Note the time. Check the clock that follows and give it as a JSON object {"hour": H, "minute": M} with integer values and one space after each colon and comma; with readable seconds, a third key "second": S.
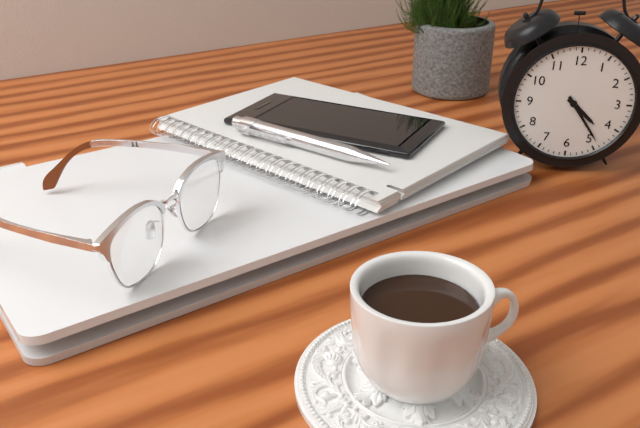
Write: {"hour": 4, "minute": 24}
